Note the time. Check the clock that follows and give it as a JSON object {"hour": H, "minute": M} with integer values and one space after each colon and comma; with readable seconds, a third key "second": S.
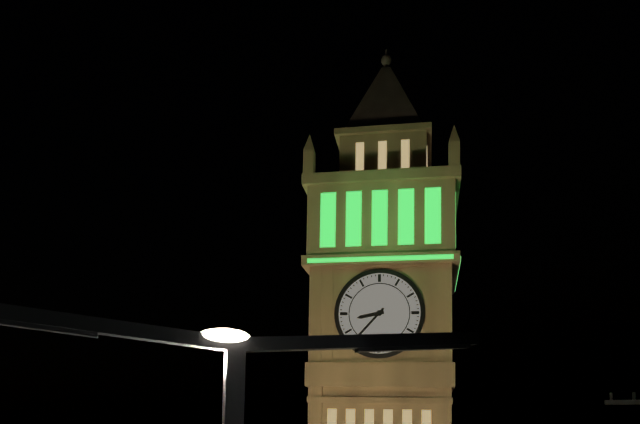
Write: {"hour": 8, "minute": 37}
